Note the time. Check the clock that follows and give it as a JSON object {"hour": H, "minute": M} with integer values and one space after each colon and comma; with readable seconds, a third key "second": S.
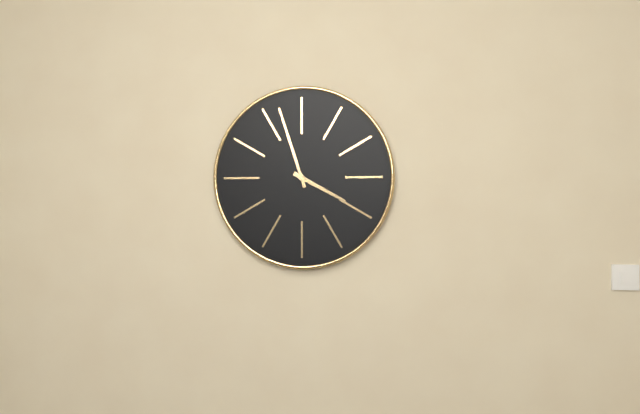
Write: {"hour": 3, "minute": 57}
